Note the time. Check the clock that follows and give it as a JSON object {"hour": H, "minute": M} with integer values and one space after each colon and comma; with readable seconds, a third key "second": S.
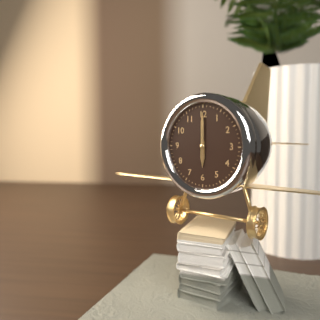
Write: {"hour": 6, "minute": 0}
